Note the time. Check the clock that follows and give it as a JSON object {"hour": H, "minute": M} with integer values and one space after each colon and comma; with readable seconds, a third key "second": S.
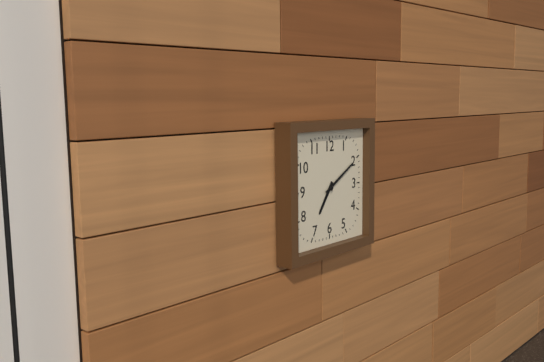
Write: {"hour": 7, "minute": 10}
